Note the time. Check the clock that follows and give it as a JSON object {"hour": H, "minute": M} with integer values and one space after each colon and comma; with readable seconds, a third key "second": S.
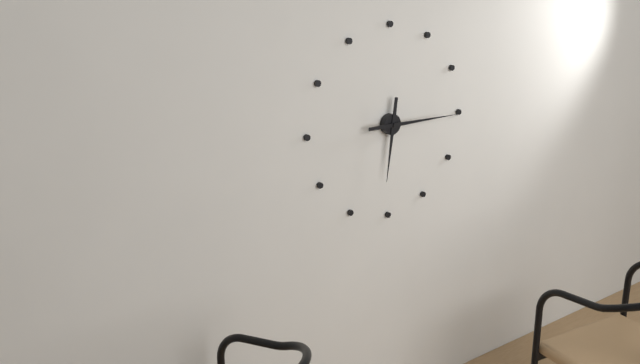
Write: {"hour": 6, "minute": 15}
